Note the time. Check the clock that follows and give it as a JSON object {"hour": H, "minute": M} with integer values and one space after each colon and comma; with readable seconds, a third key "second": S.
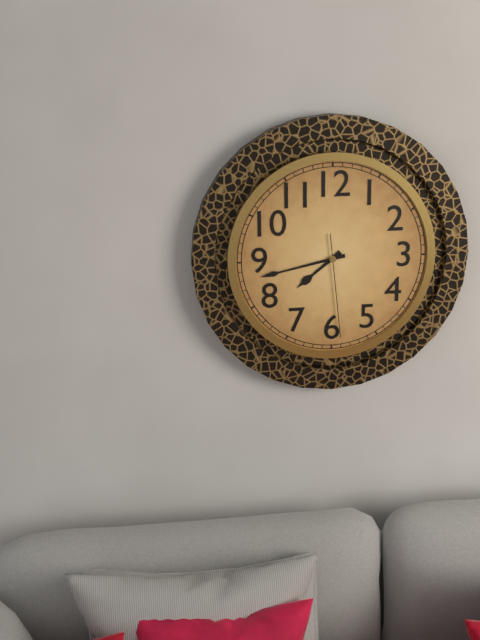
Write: {"hour": 7, "minute": 43, "second": 29}
